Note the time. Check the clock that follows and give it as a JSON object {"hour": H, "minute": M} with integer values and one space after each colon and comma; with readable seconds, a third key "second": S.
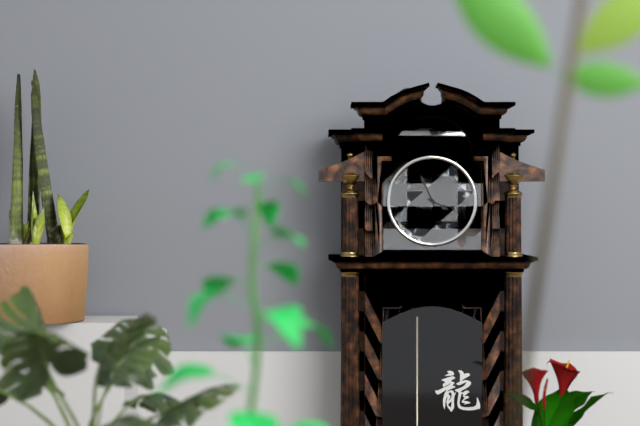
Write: {"hour": 3, "minute": 56}
